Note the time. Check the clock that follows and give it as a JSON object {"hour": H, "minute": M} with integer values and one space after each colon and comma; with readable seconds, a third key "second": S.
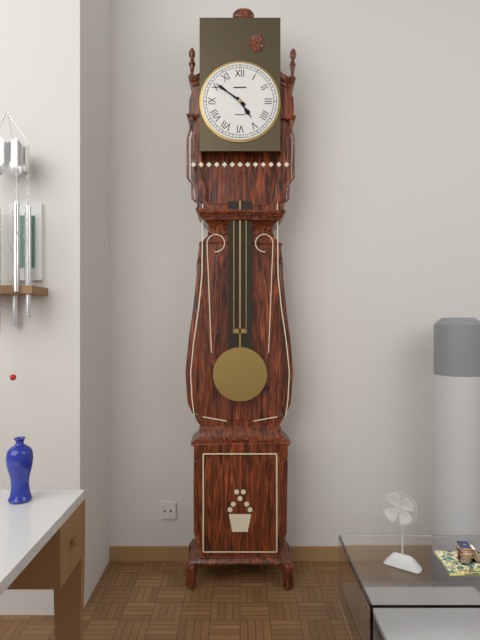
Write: {"hour": 4, "minute": 51}
